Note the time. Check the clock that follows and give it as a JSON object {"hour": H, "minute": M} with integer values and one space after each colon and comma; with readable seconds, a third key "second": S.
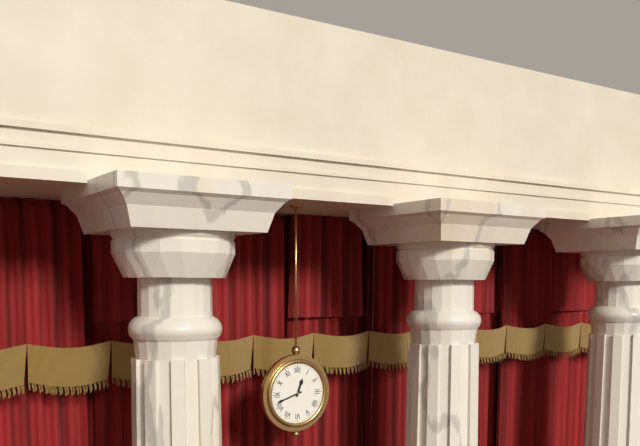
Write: {"hour": 12, "minute": 42}
